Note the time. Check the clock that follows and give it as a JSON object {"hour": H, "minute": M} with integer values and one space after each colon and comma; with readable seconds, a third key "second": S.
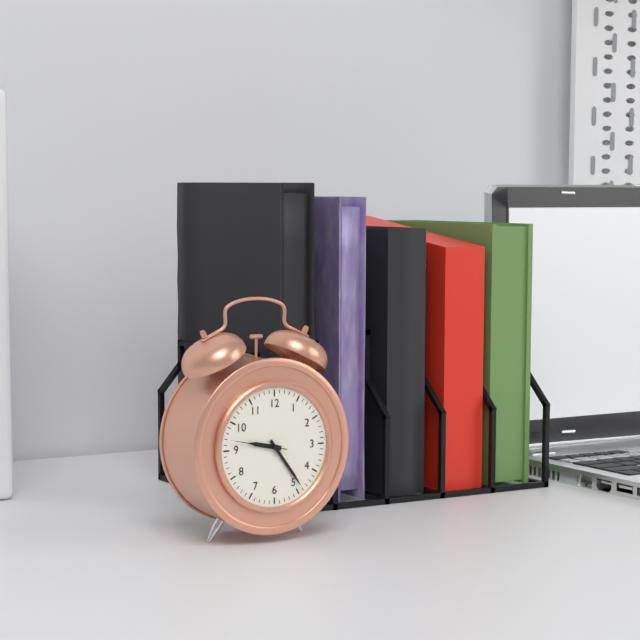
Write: {"hour": 9, "minute": 24, "second": 47}
